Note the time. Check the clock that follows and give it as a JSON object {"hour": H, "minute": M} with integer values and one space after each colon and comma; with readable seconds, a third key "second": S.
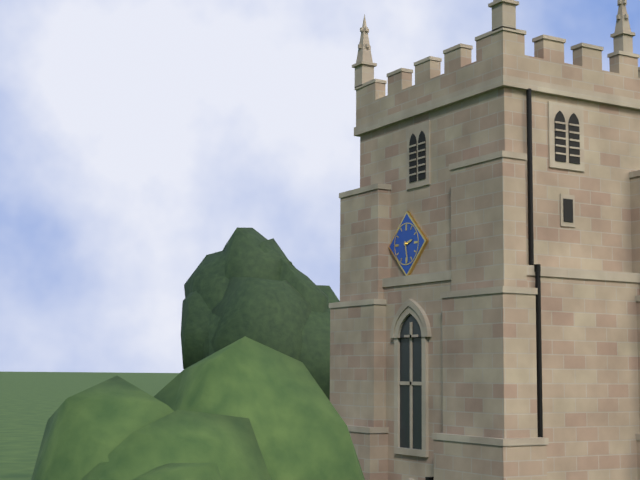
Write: {"hour": 2, "minute": 28}
